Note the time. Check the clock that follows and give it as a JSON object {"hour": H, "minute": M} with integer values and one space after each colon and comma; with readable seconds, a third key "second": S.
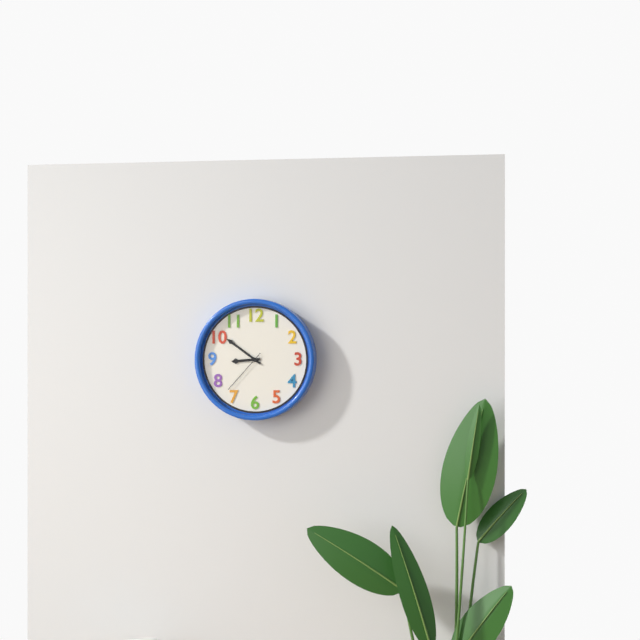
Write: {"hour": 8, "minute": 51, "second": 37}
